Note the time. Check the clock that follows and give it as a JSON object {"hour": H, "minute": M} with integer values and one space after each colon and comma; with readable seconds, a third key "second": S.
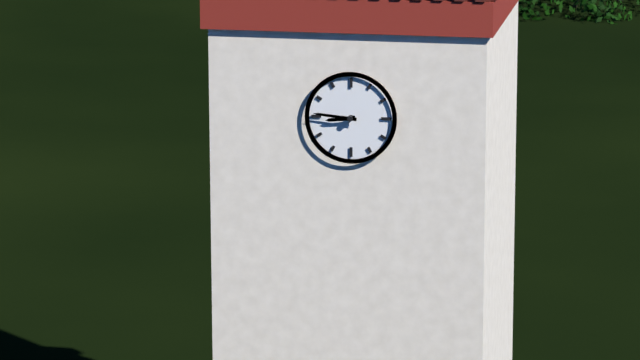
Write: {"hour": 8, "minute": 46}
